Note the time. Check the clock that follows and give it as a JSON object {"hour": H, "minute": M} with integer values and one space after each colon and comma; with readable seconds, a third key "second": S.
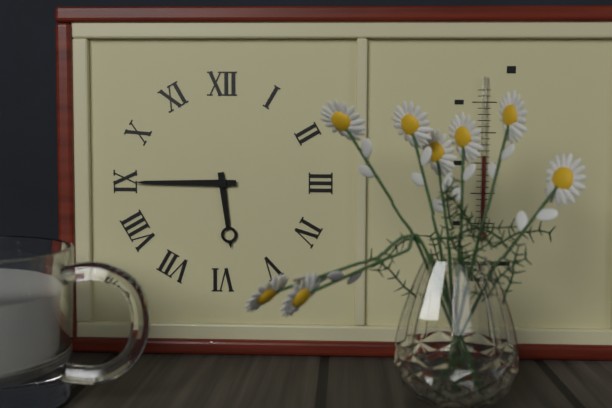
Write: {"hour": 5, "minute": 45}
